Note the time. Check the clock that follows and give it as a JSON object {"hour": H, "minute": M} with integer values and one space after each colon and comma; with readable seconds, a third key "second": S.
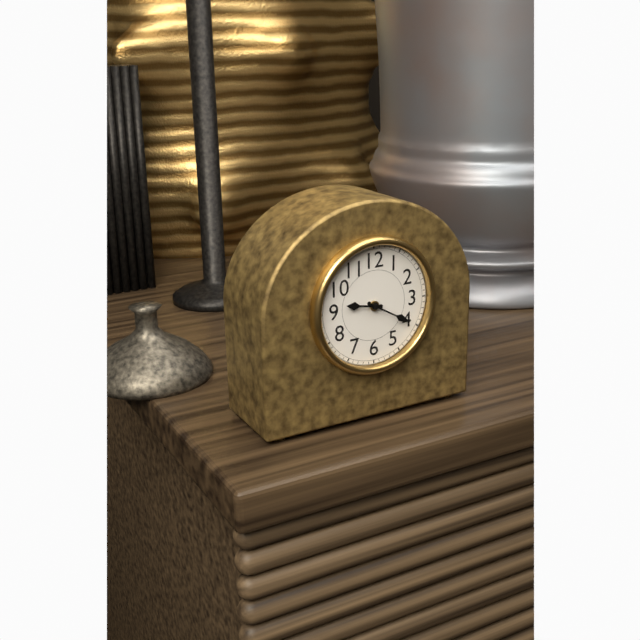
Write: {"hour": 9, "minute": 20}
